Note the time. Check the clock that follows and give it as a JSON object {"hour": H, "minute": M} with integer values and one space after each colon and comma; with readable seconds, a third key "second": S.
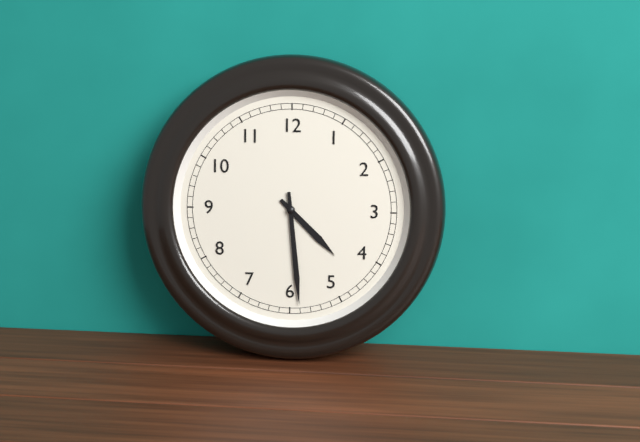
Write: {"hour": 4, "minute": 29}
